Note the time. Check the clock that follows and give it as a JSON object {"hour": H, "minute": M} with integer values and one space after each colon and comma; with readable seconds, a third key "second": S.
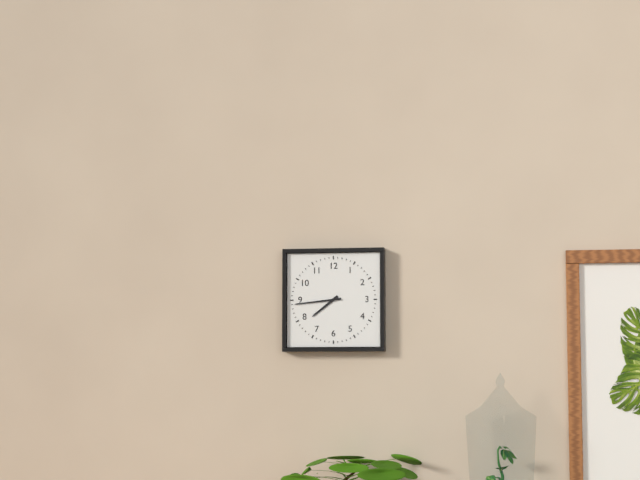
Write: {"hour": 7, "minute": 44}
